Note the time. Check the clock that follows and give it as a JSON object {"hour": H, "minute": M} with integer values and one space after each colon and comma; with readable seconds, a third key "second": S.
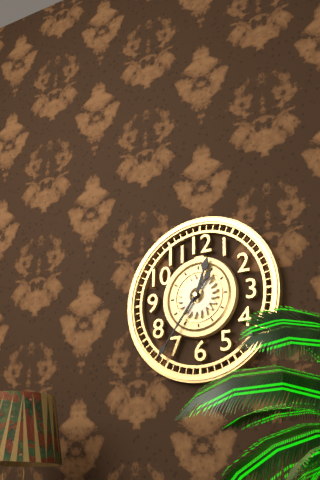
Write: {"hour": 12, "minute": 36}
